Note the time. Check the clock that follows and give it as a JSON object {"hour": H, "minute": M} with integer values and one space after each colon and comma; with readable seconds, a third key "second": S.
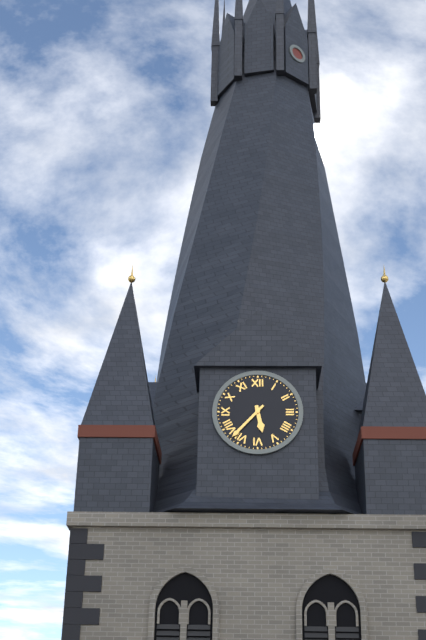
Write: {"hour": 5, "minute": 37}
